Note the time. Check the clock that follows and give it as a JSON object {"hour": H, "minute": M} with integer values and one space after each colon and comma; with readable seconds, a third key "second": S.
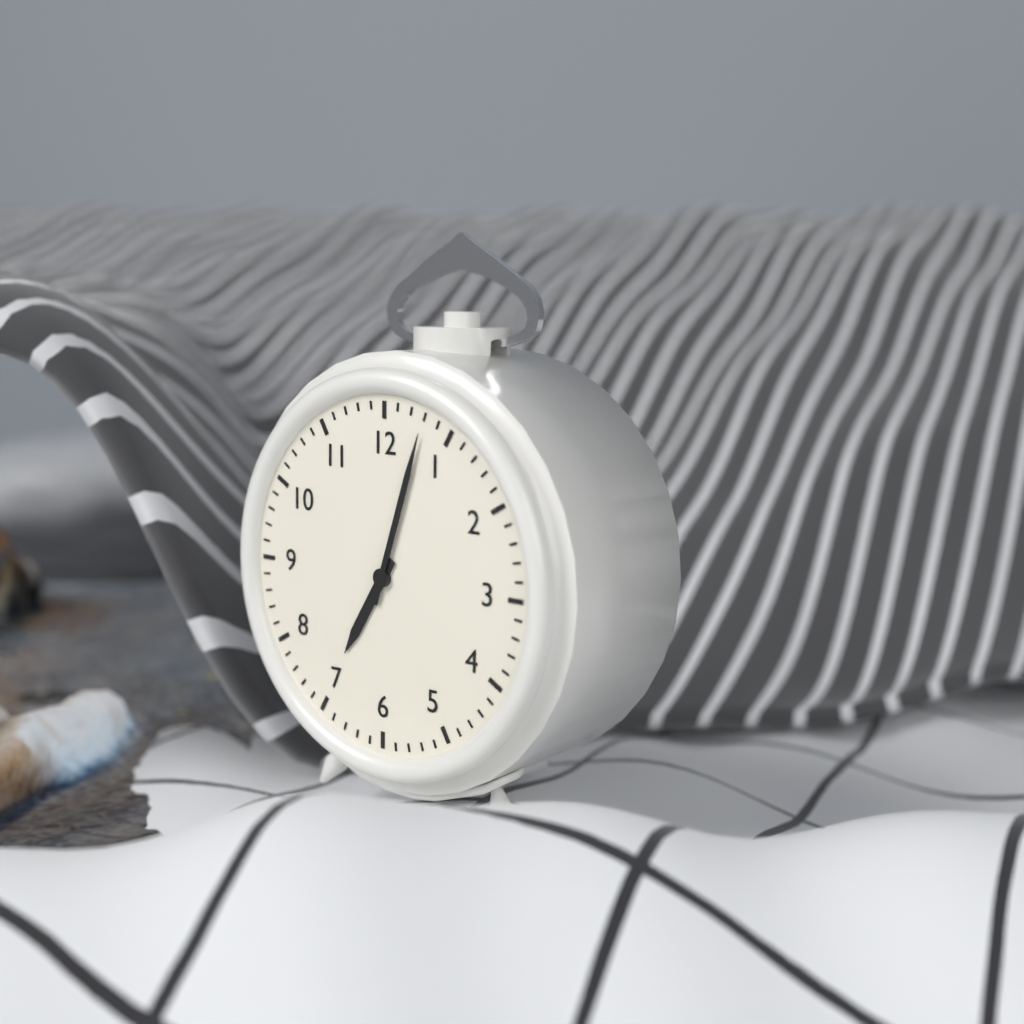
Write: {"hour": 7, "minute": 3}
